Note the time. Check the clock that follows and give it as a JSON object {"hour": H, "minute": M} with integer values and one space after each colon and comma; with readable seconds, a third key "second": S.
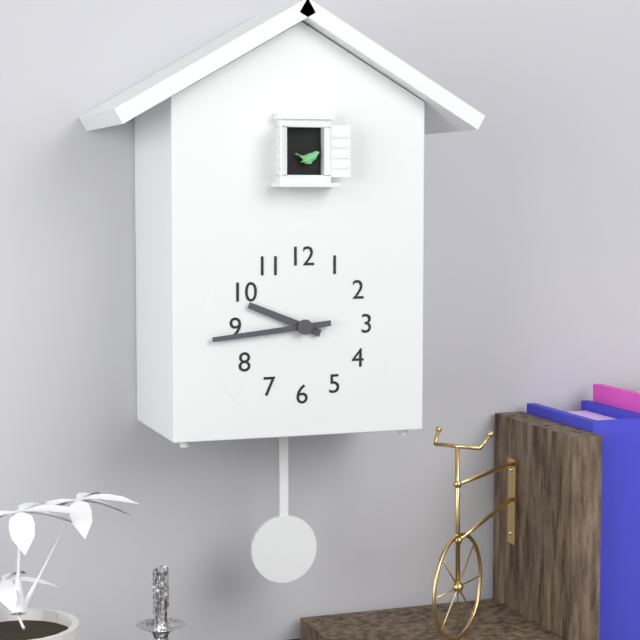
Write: {"hour": 9, "minute": 44}
